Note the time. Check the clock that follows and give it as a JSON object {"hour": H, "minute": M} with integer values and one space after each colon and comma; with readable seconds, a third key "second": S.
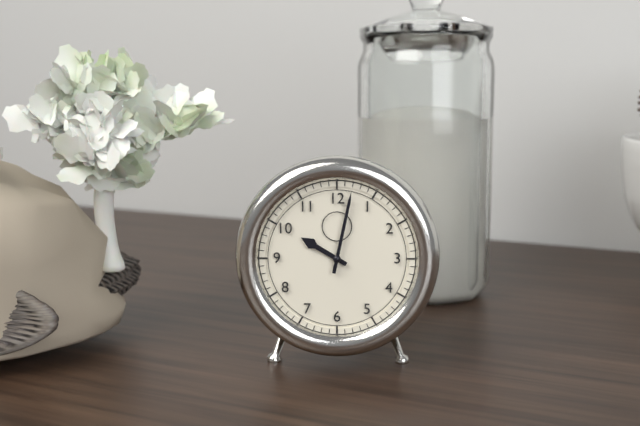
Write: {"hour": 10, "minute": 2}
